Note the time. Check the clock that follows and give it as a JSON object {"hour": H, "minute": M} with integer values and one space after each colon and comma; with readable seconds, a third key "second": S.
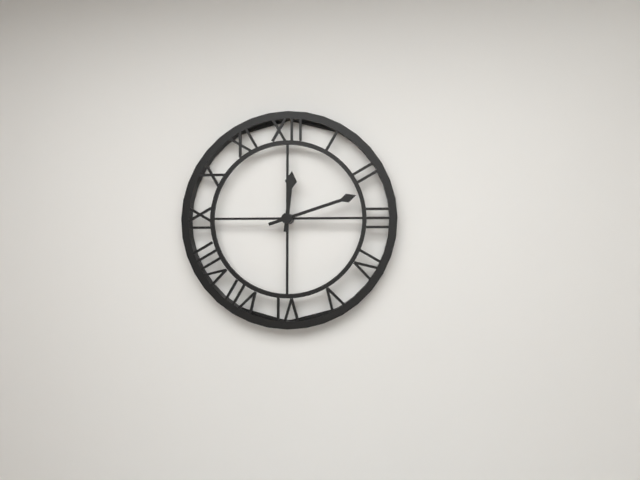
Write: {"hour": 12, "minute": 12}
